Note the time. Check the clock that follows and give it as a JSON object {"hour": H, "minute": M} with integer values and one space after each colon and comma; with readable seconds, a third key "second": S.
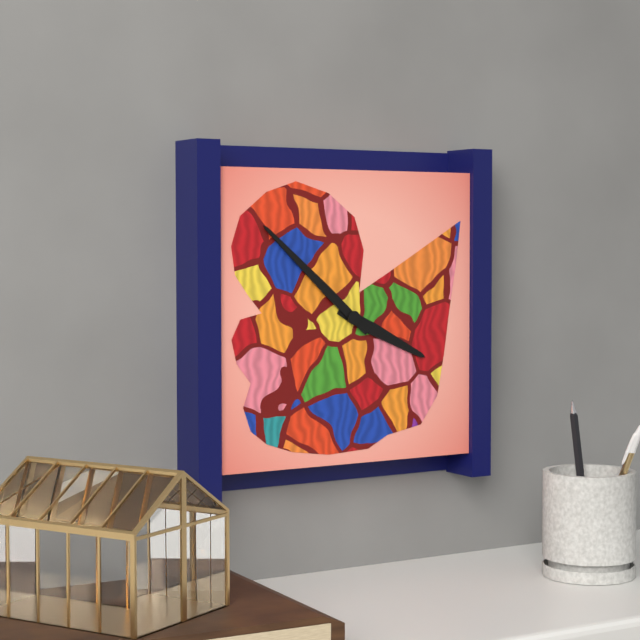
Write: {"hour": 3, "minute": 52}
